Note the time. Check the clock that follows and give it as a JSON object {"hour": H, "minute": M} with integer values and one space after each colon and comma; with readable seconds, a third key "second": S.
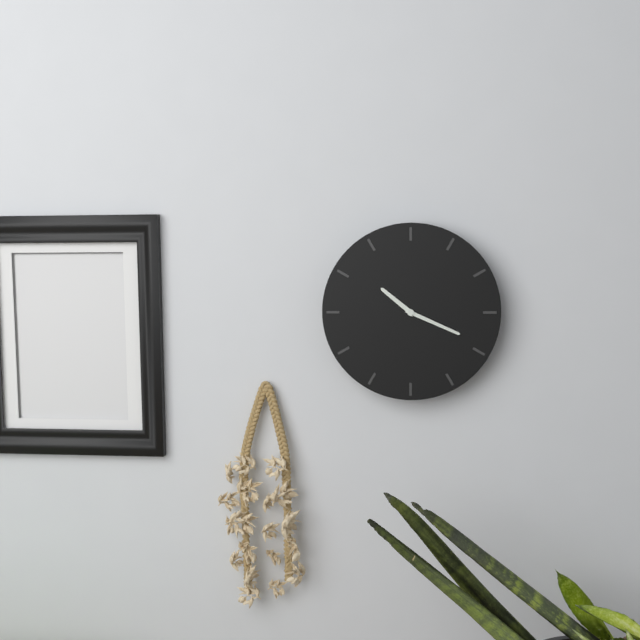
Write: {"hour": 10, "minute": 19}
